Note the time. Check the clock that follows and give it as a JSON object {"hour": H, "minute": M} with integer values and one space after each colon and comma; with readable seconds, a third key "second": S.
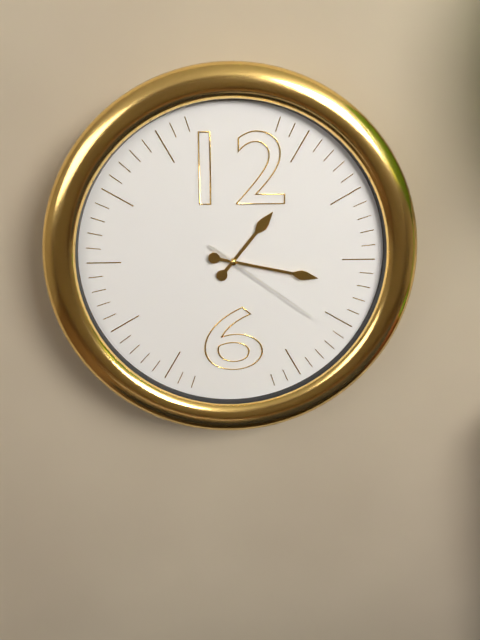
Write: {"hour": 1, "minute": 17, "second": 21}
